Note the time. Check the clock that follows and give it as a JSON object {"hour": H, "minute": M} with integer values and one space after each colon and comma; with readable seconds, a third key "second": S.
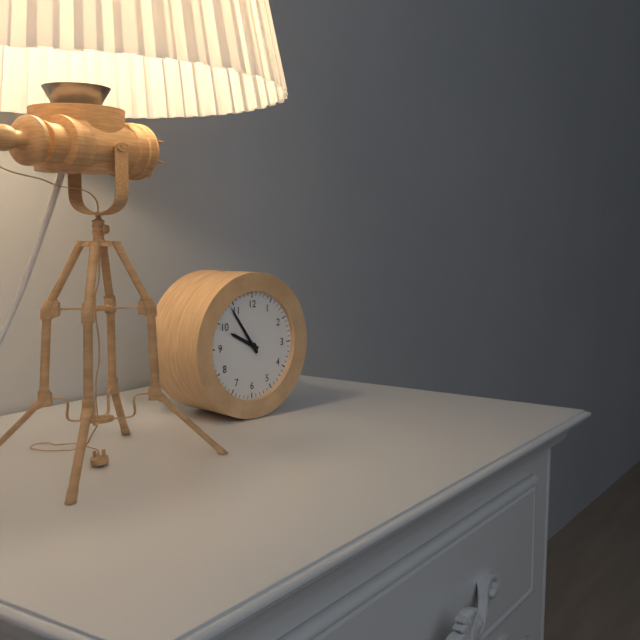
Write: {"hour": 9, "minute": 54}
